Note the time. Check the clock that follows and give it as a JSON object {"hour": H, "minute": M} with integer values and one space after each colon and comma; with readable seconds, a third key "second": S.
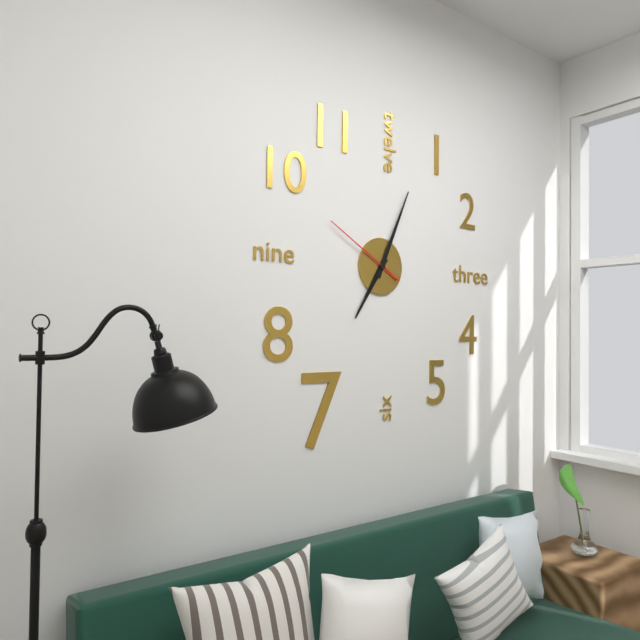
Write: {"hour": 7, "minute": 4, "second": 50}
